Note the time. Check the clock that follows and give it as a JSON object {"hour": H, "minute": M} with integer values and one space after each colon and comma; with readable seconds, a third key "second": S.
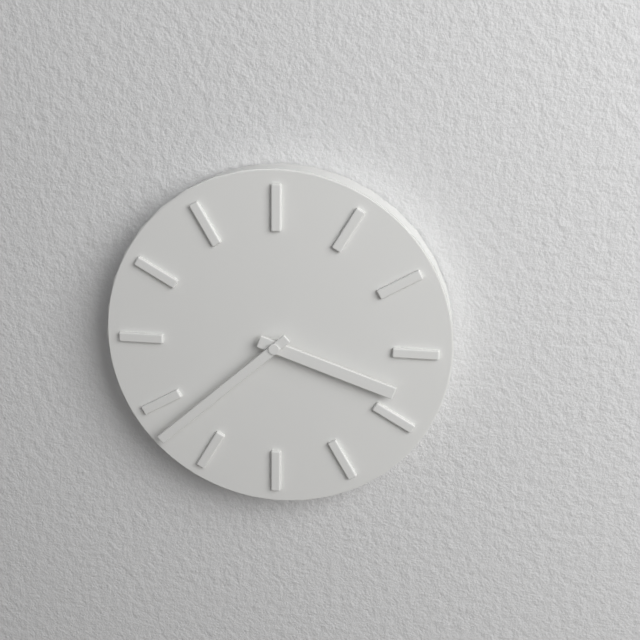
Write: {"hour": 3, "minute": 38}
